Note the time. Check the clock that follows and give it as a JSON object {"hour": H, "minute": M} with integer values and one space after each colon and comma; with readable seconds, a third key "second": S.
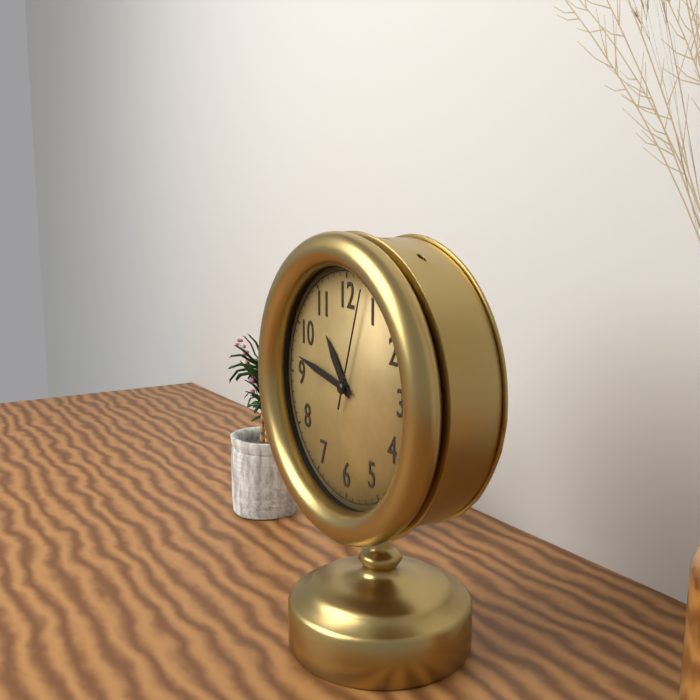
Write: {"hour": 10, "minute": 47, "second": 3}
